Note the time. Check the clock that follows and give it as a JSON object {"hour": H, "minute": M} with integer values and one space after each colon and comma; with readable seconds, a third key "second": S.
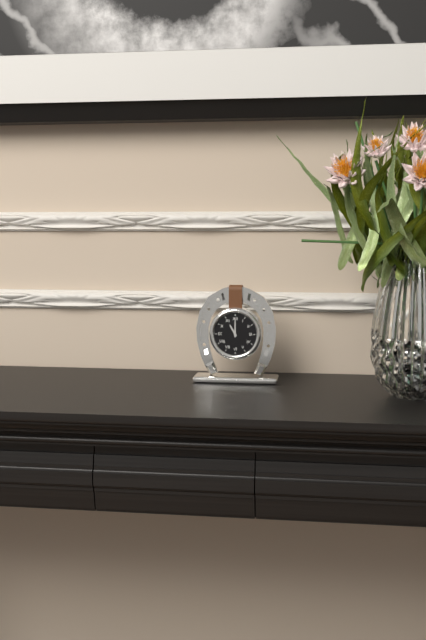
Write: {"hour": 11, "minute": 0}
